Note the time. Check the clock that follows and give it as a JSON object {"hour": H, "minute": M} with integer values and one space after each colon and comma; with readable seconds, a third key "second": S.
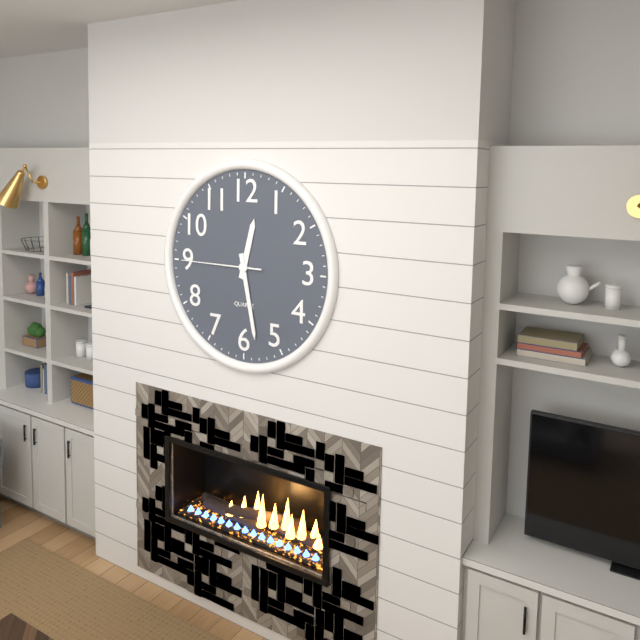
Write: {"hour": 12, "minute": 28, "second": 45}
